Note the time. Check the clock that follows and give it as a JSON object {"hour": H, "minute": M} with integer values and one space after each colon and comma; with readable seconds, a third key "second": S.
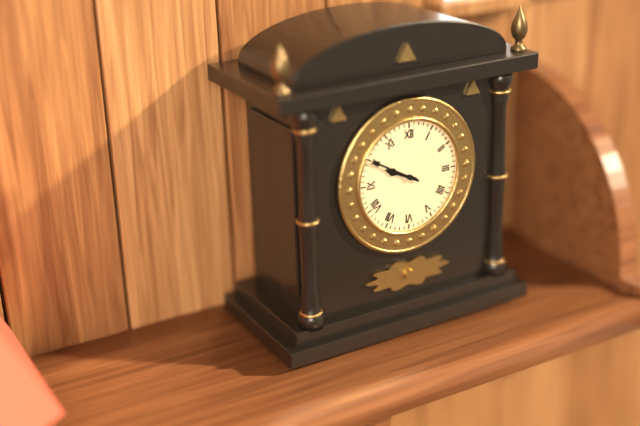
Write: {"hour": 9, "minute": 50}
